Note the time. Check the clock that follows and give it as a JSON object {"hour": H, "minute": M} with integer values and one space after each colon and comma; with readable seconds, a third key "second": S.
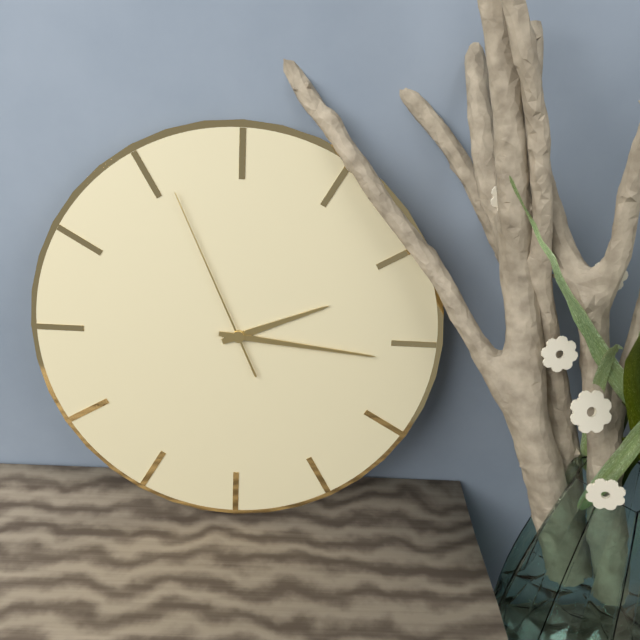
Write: {"hour": 2, "minute": 16, "second": 56}
